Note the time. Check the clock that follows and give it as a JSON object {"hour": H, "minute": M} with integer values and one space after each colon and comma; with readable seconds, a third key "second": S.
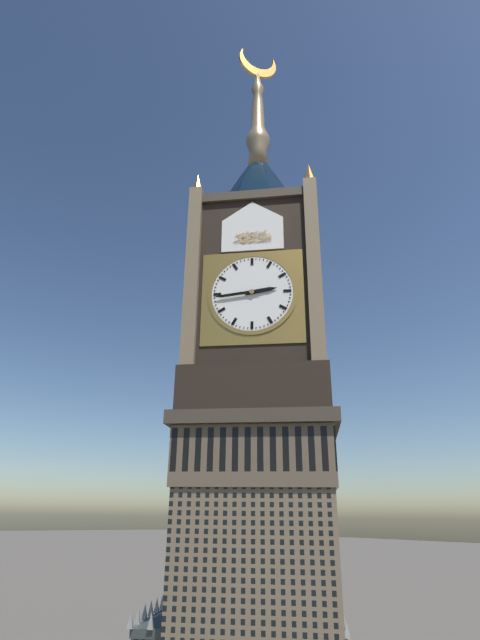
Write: {"hour": 2, "minute": 44}
